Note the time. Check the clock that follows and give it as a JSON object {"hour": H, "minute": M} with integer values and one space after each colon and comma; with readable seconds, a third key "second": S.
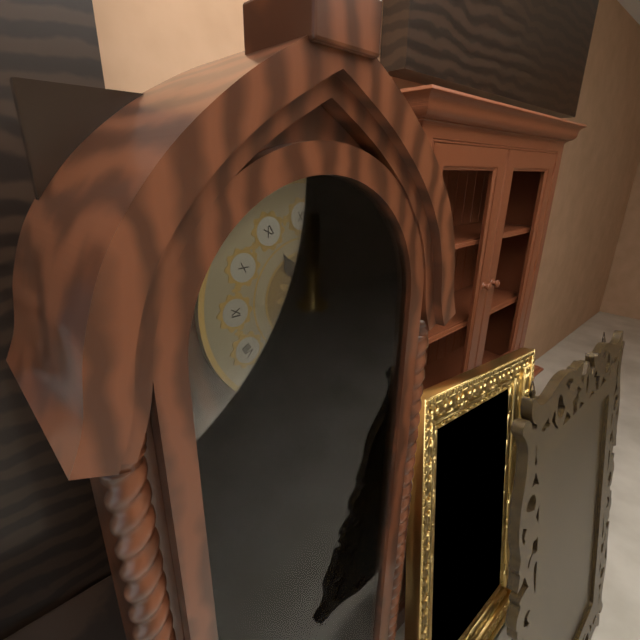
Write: {"hour": 11, "minute": 4}
